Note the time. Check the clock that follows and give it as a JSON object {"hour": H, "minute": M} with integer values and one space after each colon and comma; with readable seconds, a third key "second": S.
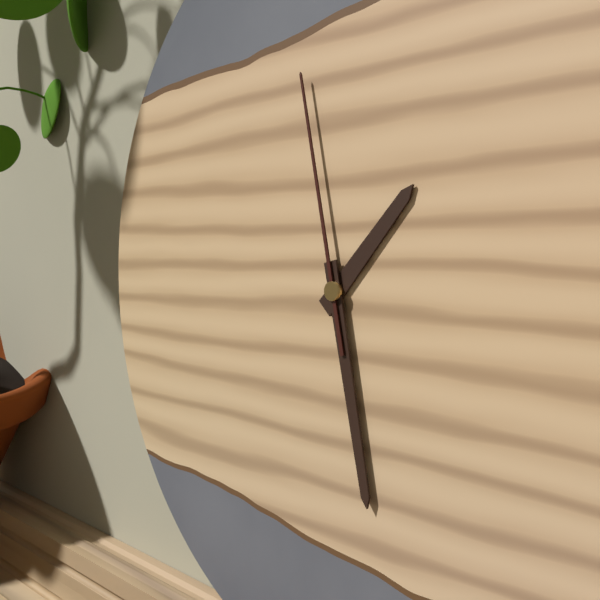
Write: {"hour": 1, "minute": 28, "second": 58}
